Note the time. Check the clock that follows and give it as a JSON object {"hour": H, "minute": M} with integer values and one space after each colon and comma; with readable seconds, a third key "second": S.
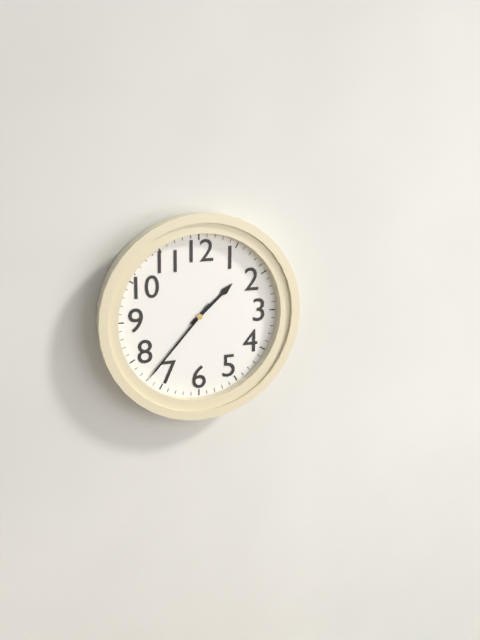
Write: {"hour": 1, "minute": 37}
